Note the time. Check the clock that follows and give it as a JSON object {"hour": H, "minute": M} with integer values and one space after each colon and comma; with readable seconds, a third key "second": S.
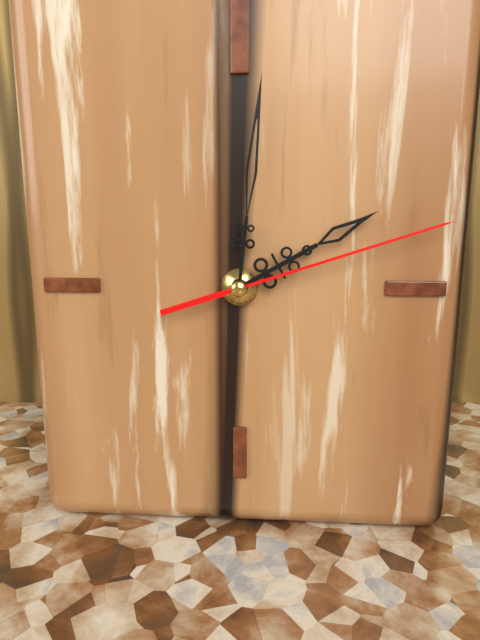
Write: {"hour": 2, "minute": 1, "second": 12}
